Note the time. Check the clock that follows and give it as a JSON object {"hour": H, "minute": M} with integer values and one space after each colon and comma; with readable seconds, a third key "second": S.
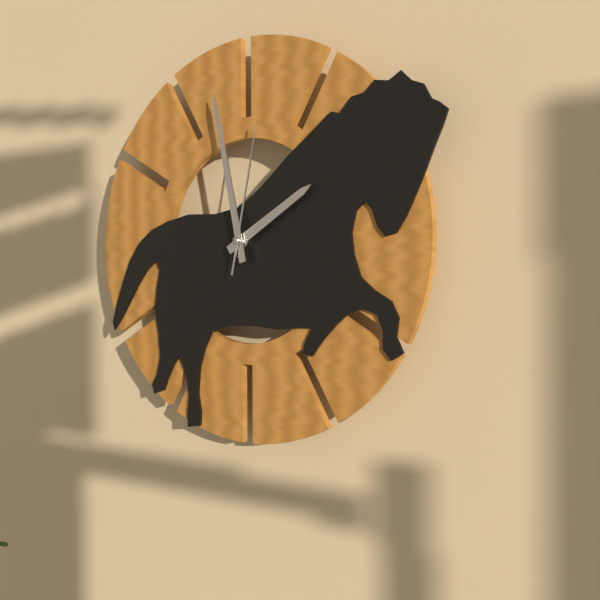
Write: {"hour": 1, "minute": 58, "second": 2}
